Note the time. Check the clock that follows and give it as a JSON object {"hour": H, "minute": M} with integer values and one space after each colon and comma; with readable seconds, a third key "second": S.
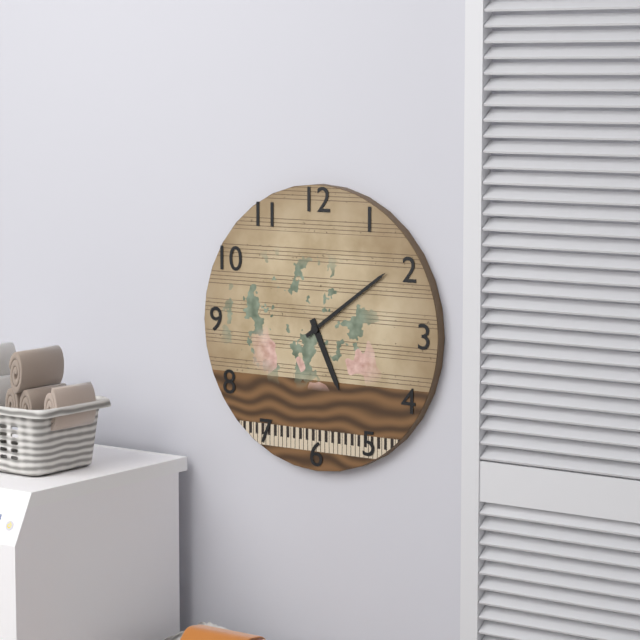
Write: {"hour": 5, "minute": 9}
